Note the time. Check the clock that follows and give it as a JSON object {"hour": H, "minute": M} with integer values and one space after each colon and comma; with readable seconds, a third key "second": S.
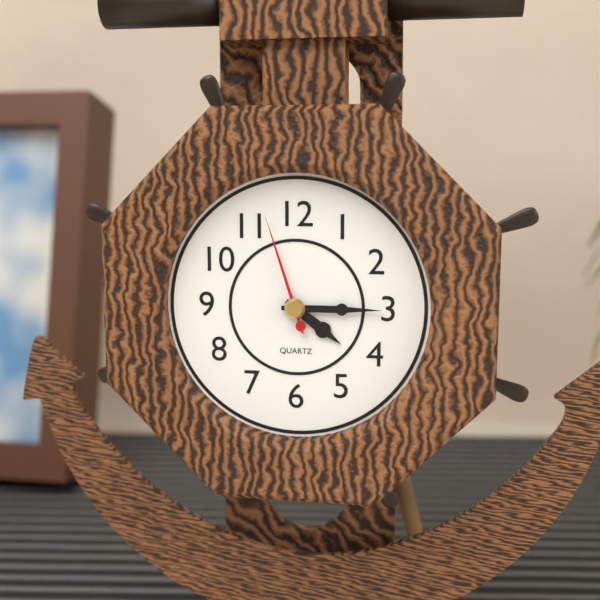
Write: {"hour": 4, "minute": 15, "second": 57}
